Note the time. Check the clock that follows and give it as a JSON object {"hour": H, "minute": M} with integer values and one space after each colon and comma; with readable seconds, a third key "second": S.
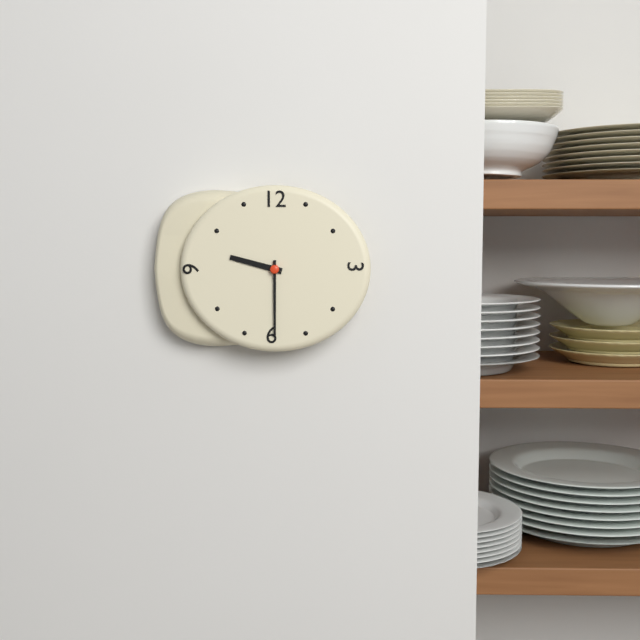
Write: {"hour": 9, "minute": 30}
